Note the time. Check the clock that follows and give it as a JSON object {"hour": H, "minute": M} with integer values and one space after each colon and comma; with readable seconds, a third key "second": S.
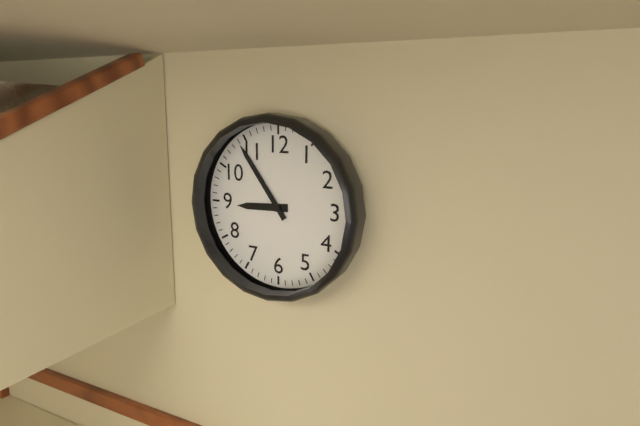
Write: {"hour": 8, "minute": 54}
